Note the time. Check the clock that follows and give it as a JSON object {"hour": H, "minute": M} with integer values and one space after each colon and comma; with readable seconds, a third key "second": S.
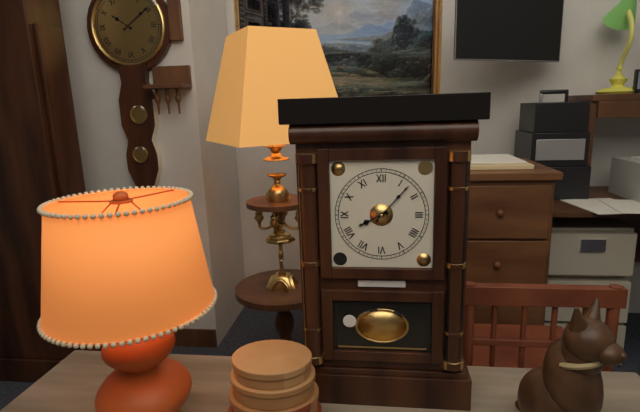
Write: {"hour": 8, "minute": 7}
